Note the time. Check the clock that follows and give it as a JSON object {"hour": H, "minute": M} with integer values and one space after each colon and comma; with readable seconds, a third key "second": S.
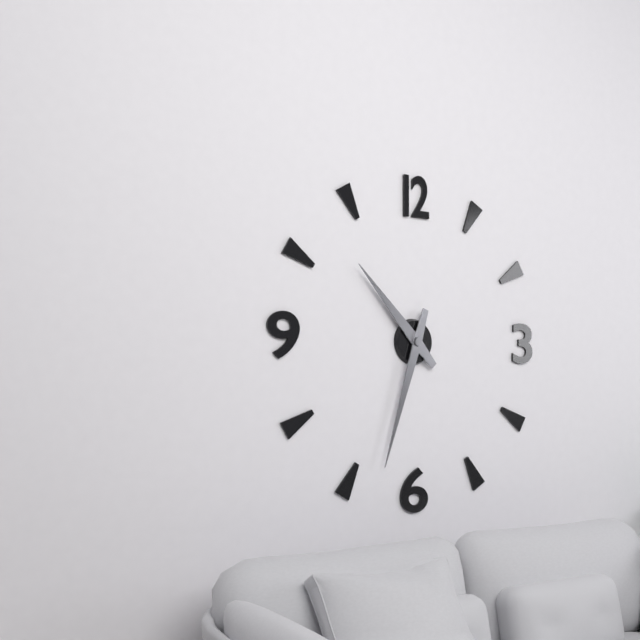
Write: {"hour": 10, "minute": 33}
